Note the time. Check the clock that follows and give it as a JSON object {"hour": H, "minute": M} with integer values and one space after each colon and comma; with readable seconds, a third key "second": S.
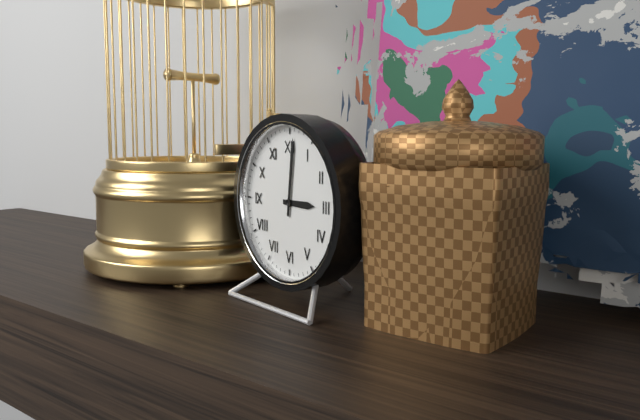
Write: {"hour": 3, "minute": 1}
